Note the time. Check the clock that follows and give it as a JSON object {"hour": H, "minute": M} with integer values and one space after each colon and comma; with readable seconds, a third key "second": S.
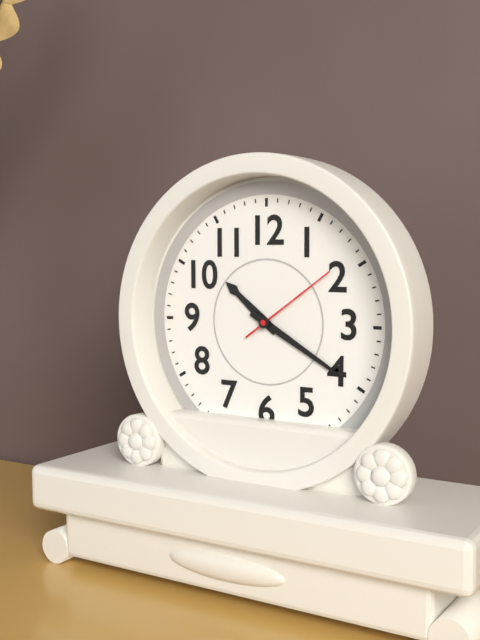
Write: {"hour": 10, "minute": 20, "second": 9}
